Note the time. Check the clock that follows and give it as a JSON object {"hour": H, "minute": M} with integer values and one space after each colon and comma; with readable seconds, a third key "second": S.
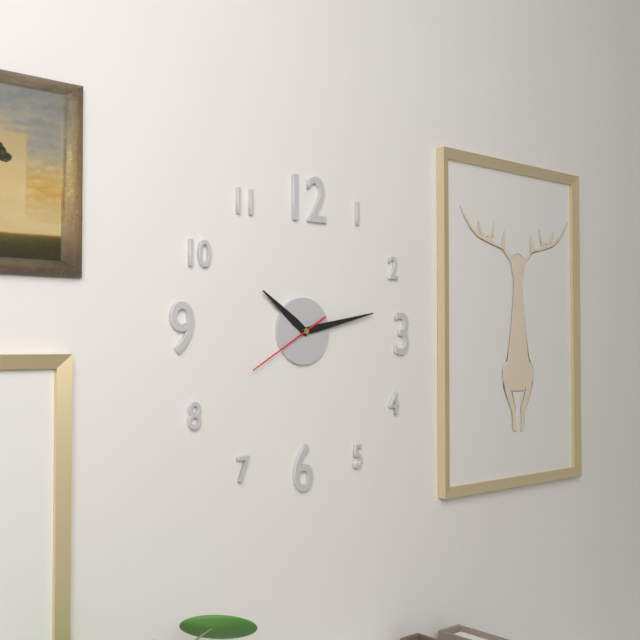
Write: {"hour": 10, "minute": 13, "second": 40}
